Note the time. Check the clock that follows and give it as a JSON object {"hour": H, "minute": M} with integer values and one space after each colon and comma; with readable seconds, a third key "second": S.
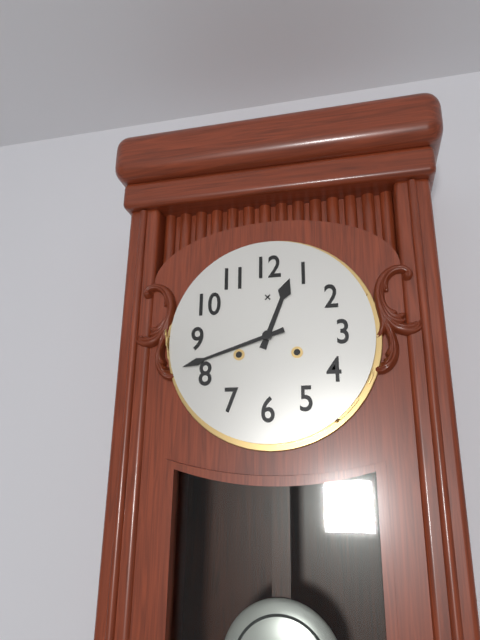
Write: {"hour": 12, "minute": 42}
